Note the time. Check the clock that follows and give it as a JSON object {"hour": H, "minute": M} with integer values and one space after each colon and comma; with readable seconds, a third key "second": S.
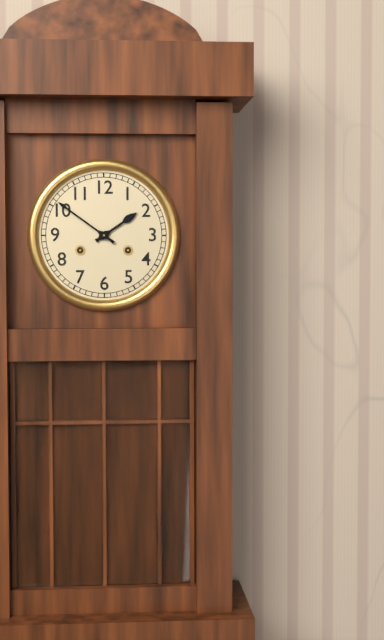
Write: {"hour": 1, "minute": 51}
